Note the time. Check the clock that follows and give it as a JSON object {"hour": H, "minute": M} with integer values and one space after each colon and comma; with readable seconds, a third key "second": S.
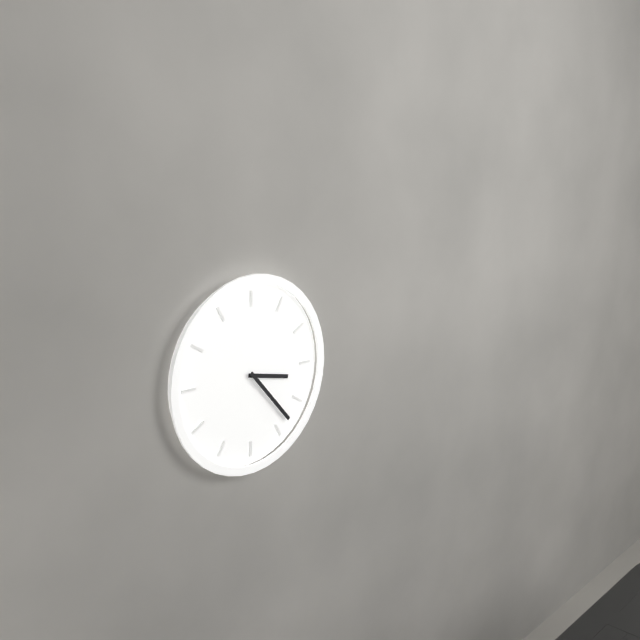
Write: {"hour": 3, "minute": 23}
